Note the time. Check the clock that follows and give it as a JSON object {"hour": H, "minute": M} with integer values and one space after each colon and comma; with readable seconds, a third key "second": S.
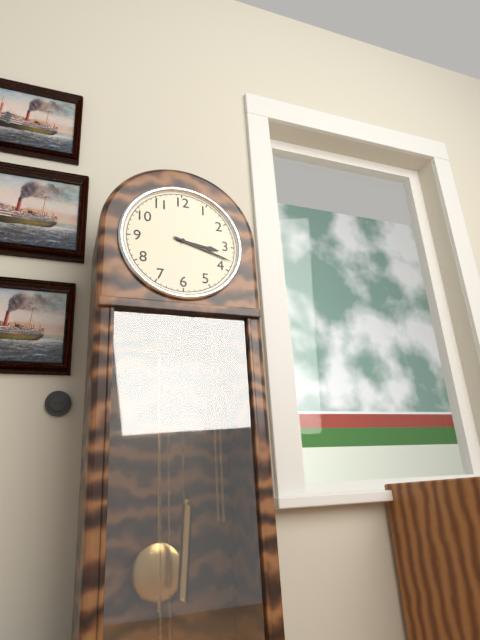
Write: {"hour": 3, "minute": 18}
